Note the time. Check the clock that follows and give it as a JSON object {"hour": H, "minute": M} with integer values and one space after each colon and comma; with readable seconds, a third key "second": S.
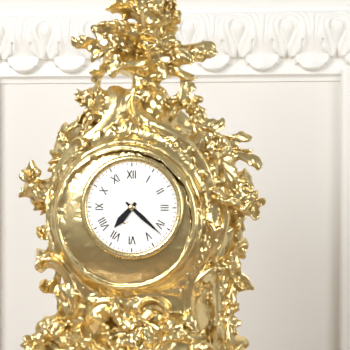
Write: {"hour": 7, "minute": 22}
